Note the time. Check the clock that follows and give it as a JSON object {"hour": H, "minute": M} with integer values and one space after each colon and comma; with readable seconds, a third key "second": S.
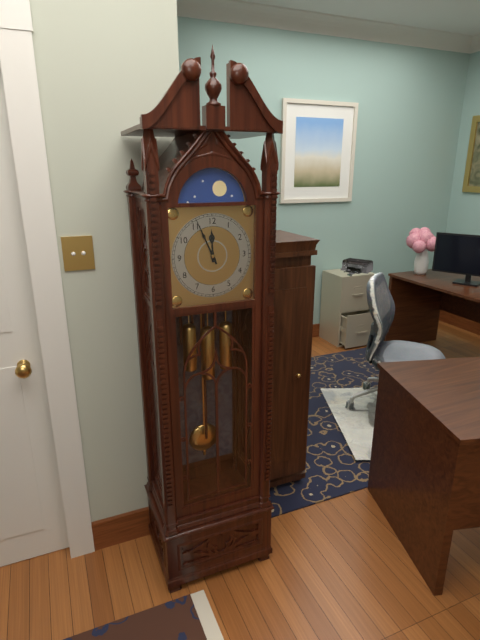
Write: {"hour": 11, "minute": 56}
